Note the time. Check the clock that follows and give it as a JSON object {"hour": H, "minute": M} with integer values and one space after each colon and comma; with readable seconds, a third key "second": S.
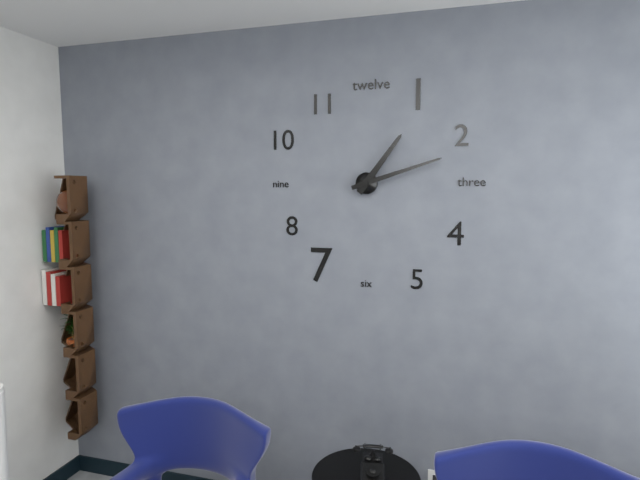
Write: {"hour": 1, "minute": 12}
